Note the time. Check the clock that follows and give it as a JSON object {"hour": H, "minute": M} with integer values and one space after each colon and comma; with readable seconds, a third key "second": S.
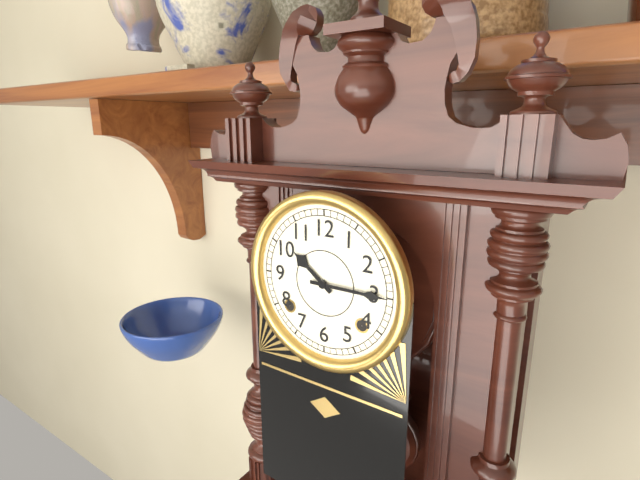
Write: {"hour": 10, "minute": 15}
